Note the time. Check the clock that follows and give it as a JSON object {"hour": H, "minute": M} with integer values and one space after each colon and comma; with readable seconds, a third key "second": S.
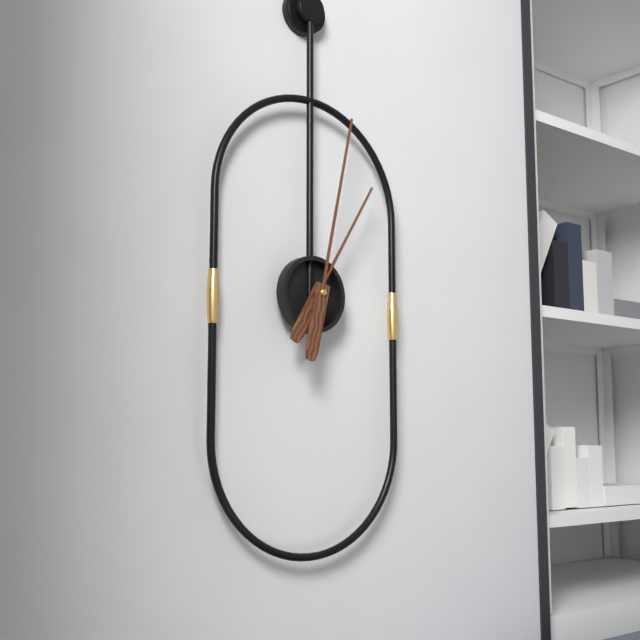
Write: {"hour": 1, "minute": 2}
